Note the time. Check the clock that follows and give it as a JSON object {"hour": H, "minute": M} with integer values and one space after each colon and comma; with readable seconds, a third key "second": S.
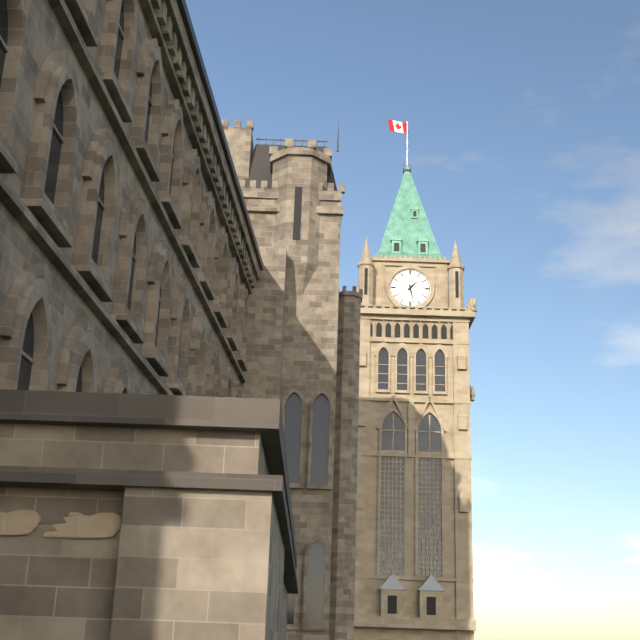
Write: {"hour": 1, "minute": 28}
